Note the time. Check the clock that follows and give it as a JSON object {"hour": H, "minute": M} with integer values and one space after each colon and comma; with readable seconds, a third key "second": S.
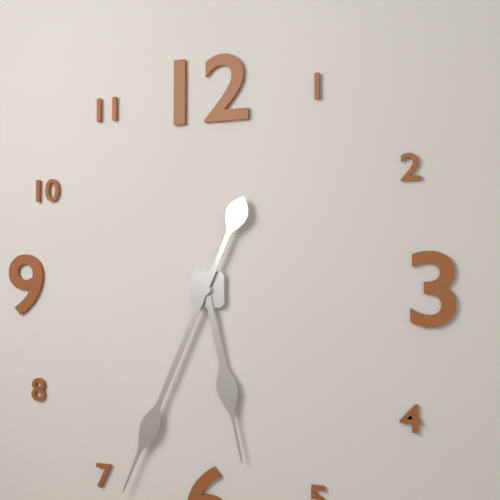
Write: {"hour": 5, "minute": 34}
